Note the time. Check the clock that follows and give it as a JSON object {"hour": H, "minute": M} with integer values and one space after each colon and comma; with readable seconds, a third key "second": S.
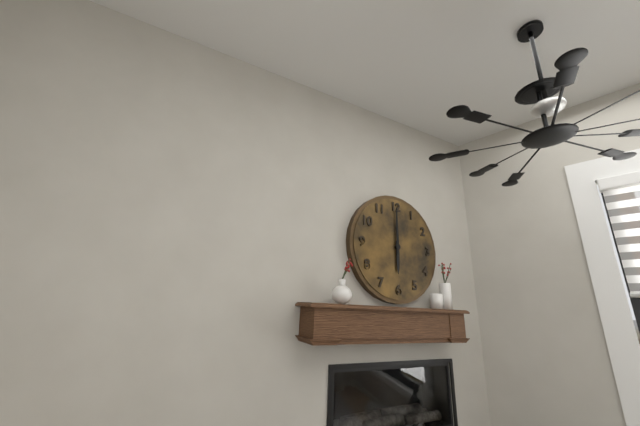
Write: {"hour": 6, "minute": 0}
